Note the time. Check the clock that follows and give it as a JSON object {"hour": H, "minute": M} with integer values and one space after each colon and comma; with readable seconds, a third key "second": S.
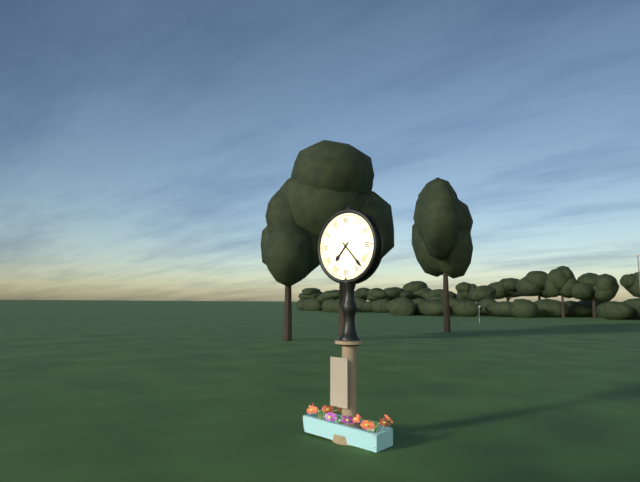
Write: {"hour": 7, "minute": 23}
